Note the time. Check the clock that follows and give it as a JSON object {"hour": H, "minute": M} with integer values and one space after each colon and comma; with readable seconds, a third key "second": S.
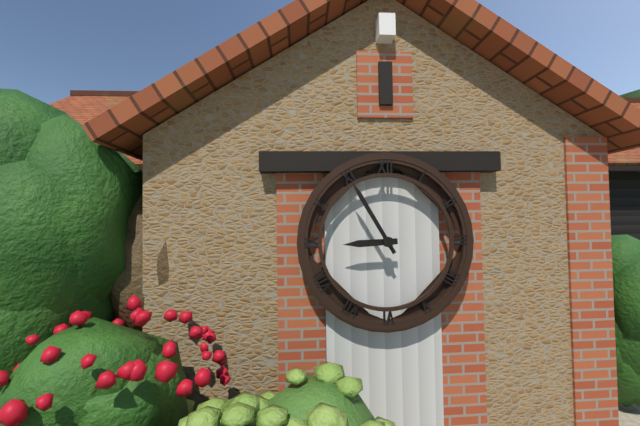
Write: {"hour": 8, "minute": 55}
